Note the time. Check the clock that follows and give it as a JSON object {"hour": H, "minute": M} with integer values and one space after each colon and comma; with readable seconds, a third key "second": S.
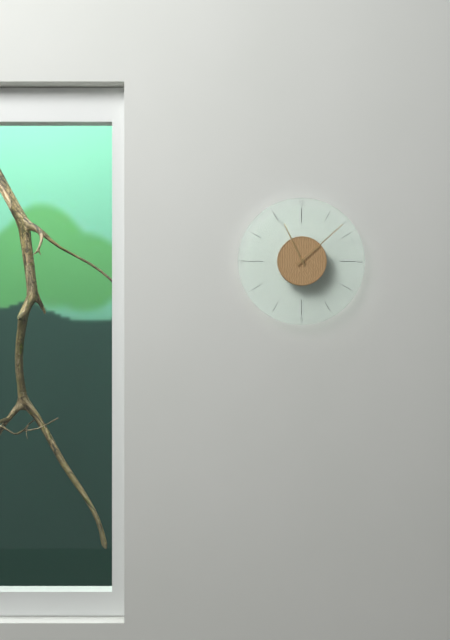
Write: {"hour": 11, "minute": 8}
